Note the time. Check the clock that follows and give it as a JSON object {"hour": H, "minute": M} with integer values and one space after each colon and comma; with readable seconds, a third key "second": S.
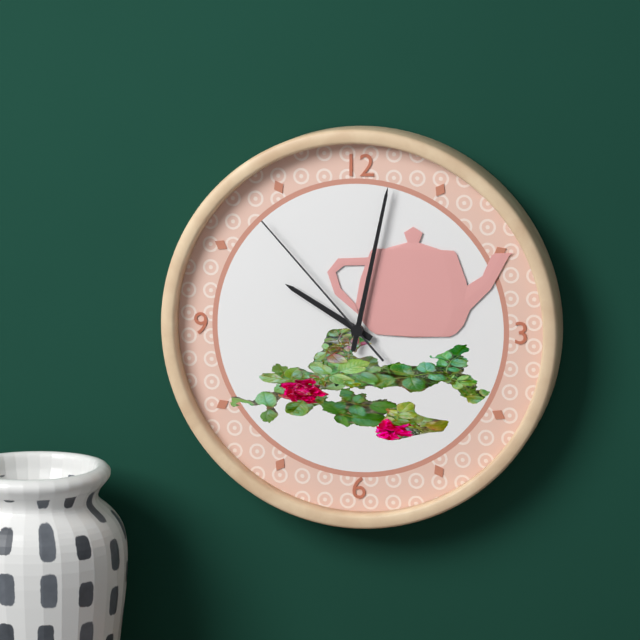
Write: {"hour": 10, "minute": 2, "second": 53}
